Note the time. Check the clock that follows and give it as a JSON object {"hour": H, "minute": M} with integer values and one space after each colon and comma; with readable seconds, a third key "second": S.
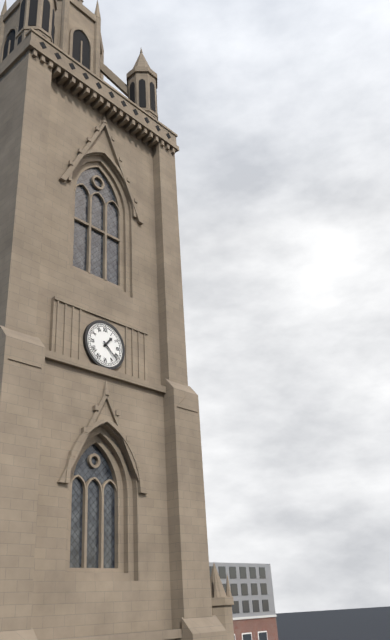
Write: {"hour": 1, "minute": 22}
